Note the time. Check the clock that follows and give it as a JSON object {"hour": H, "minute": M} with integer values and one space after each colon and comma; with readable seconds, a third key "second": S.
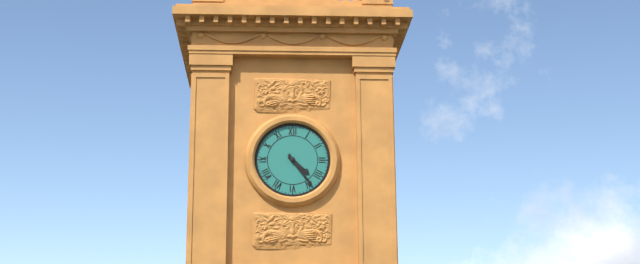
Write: {"hour": 4, "minute": 24}
